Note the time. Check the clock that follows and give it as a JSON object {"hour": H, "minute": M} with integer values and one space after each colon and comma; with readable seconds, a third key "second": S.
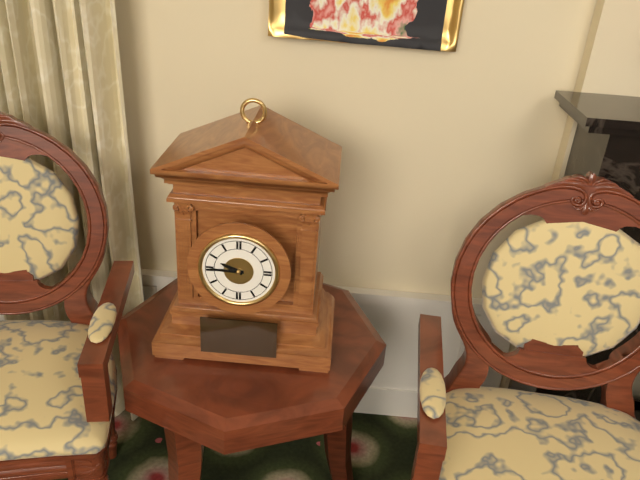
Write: {"hour": 9, "minute": 45}
